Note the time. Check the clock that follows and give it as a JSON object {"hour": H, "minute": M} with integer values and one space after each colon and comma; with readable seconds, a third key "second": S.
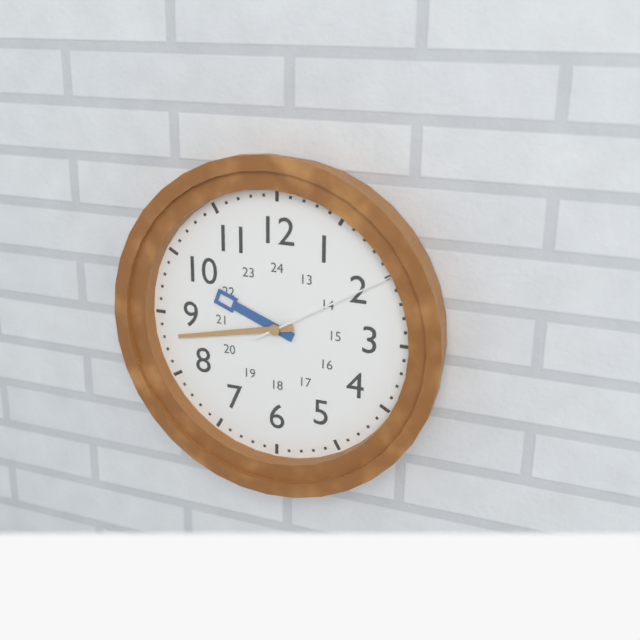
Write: {"hour": 9, "minute": 43, "second": 10}
